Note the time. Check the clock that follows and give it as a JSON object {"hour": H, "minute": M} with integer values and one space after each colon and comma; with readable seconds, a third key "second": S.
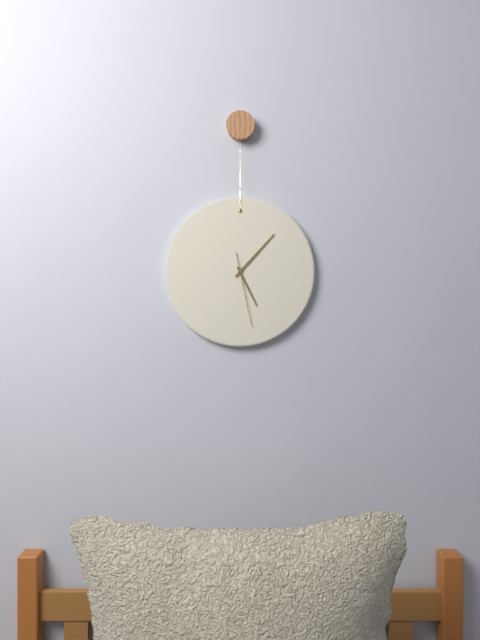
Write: {"hour": 5, "minute": 7, "second": 28}
